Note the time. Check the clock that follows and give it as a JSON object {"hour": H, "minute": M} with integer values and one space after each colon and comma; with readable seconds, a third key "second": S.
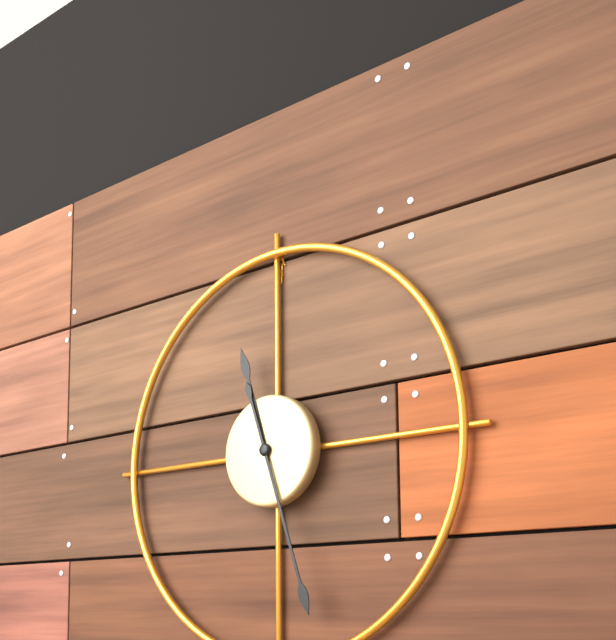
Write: {"hour": 11, "minute": 27}
